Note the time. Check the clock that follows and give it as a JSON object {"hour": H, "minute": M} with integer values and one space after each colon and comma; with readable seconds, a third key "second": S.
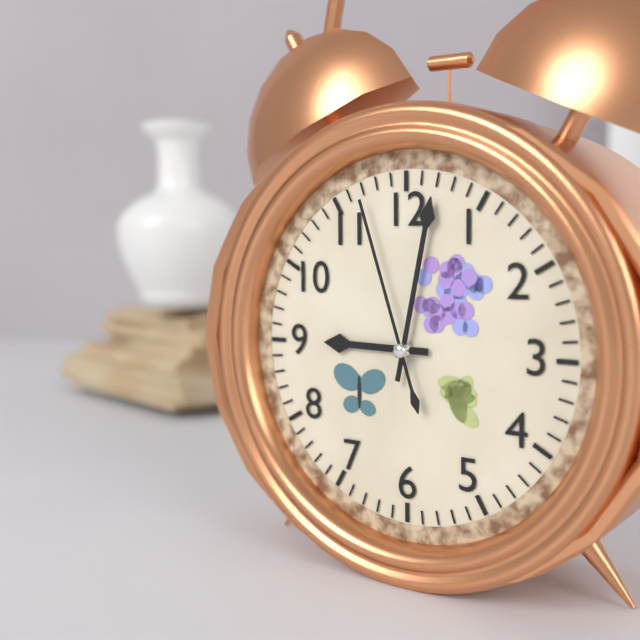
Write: {"hour": 9, "minute": 2, "second": 57}
